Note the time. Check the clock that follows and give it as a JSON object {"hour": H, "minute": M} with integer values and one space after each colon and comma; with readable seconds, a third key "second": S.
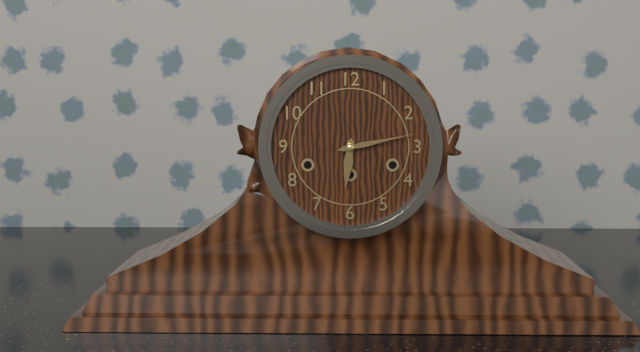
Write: {"hour": 6, "minute": 13}
